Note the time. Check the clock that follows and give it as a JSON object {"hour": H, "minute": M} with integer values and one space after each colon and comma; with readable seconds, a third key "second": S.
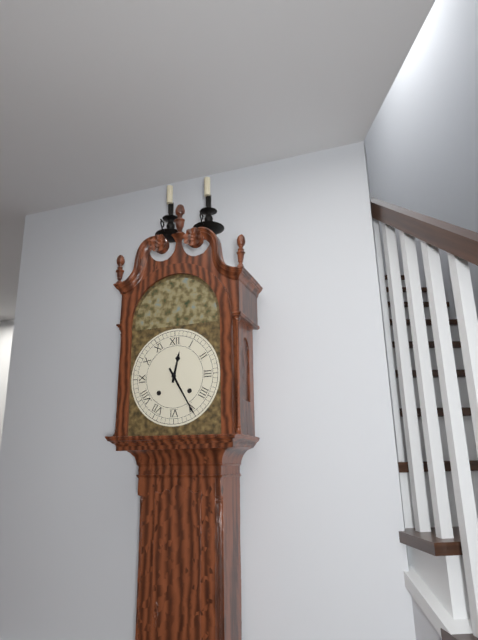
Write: {"hour": 12, "minute": 25}
